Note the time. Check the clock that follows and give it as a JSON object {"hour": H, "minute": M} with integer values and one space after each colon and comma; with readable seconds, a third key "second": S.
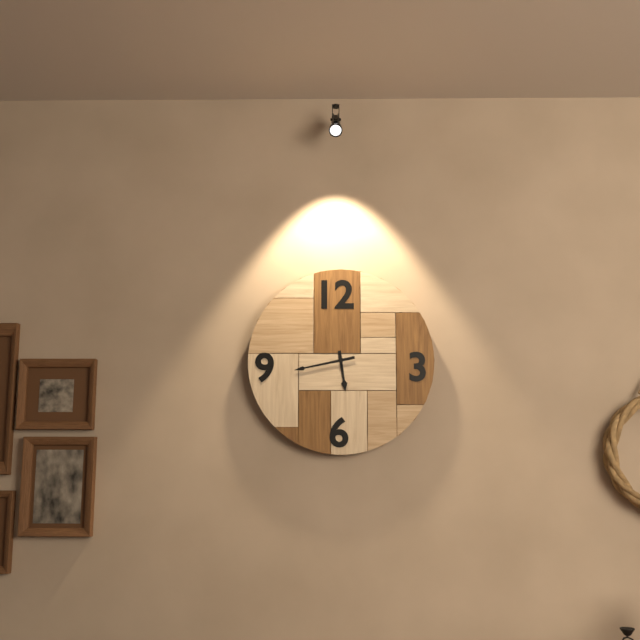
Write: {"hour": 5, "minute": 43}
